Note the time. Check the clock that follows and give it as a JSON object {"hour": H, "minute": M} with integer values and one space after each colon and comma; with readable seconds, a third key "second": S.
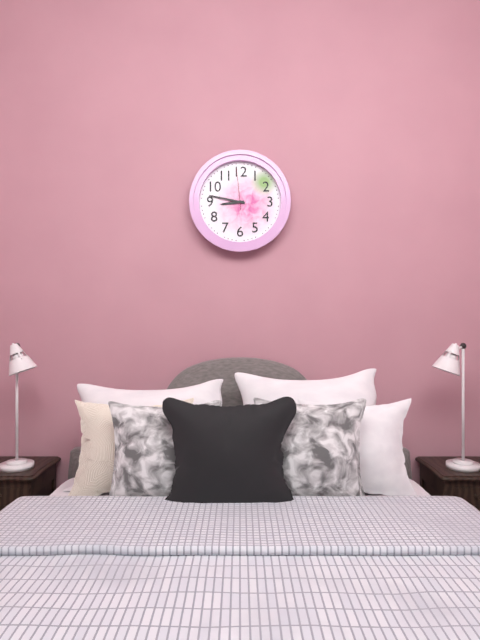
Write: {"hour": 8, "minute": 47}
